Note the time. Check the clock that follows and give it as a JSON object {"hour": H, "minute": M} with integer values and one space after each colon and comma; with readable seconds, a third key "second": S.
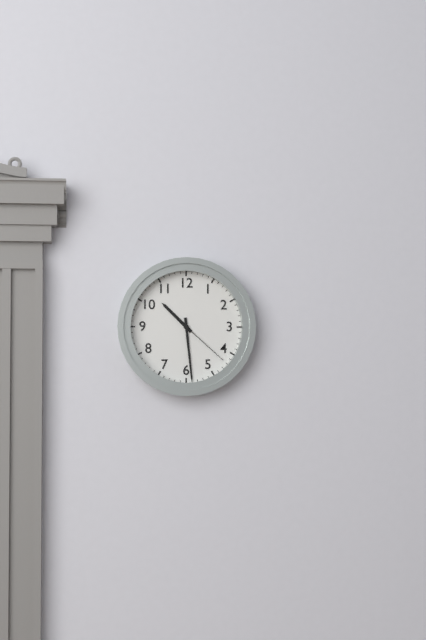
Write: {"hour": 10, "minute": 29, "second": 22}
